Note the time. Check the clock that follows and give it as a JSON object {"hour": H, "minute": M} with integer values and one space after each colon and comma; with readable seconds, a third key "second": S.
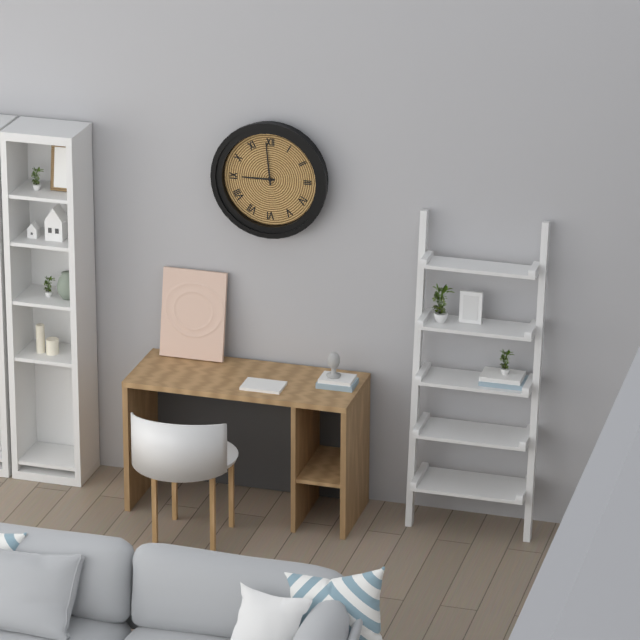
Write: {"hour": 8, "minute": 59}
